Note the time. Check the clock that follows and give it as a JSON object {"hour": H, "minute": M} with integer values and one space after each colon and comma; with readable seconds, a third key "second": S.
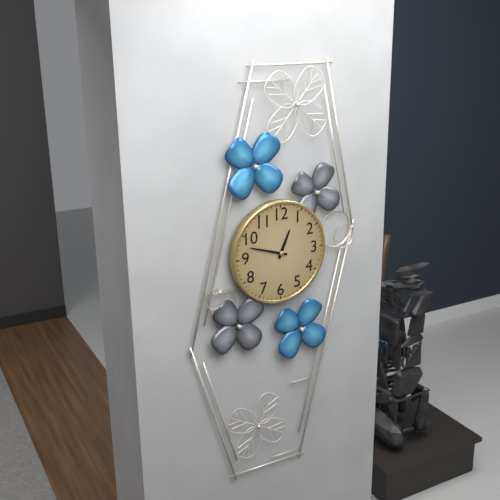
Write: {"hour": 12, "minute": 48}
